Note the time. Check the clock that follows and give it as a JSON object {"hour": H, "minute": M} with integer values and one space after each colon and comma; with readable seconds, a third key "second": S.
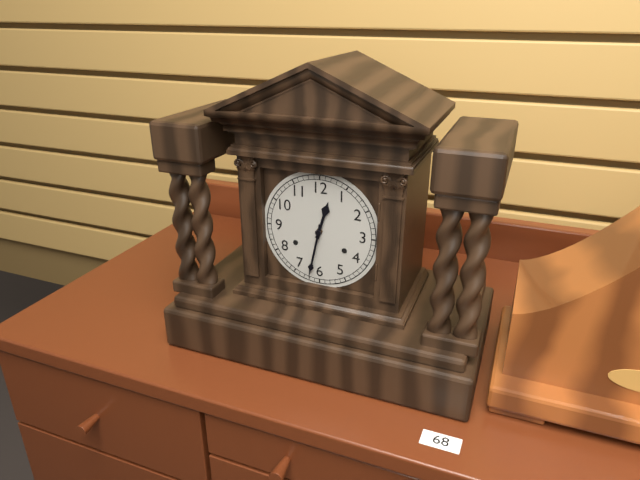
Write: {"hour": 12, "minute": 32}
